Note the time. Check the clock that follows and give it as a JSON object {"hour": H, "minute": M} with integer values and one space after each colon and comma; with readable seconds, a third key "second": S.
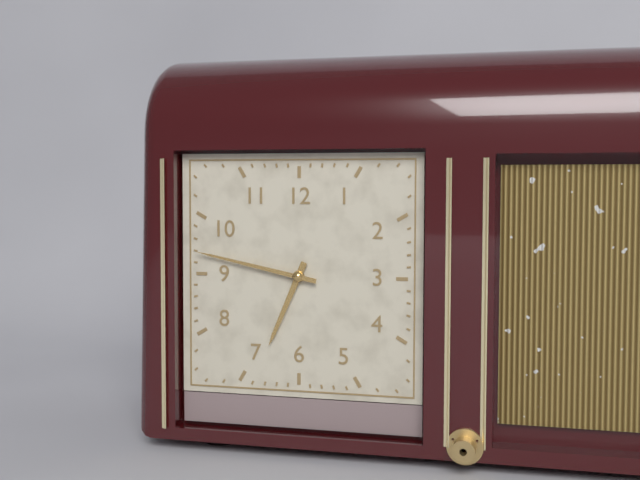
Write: {"hour": 6, "minute": 47}
